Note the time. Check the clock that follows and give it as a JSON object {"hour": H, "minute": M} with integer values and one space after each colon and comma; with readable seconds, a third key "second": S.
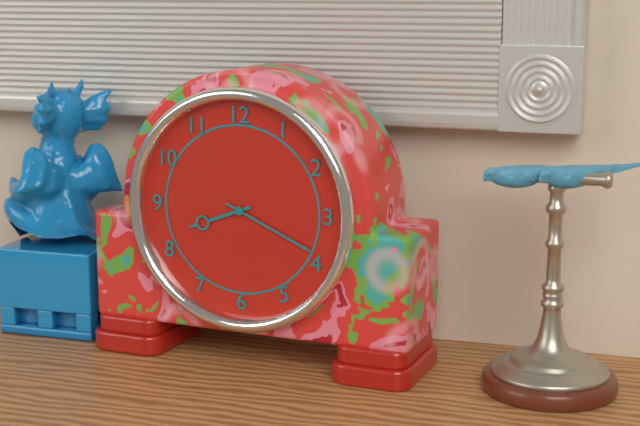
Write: {"hour": 8, "minute": 19}
